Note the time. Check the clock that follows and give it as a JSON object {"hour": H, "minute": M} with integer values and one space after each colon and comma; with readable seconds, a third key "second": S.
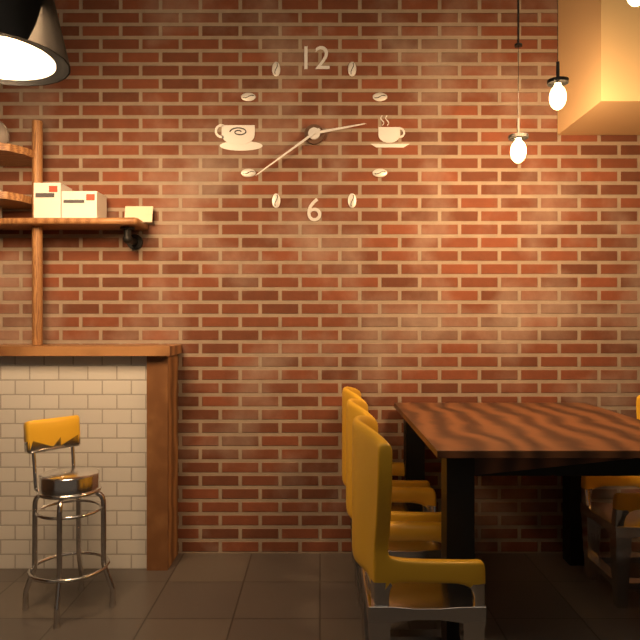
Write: {"hour": 2, "minute": 39}
